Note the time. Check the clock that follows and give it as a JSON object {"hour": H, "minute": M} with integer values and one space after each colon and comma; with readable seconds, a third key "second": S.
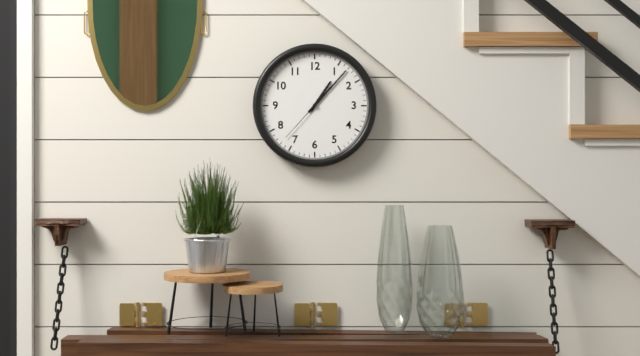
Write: {"hour": 1, "minute": 7, "second": 37}
